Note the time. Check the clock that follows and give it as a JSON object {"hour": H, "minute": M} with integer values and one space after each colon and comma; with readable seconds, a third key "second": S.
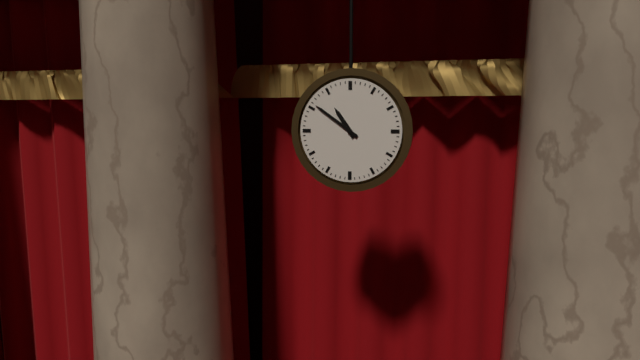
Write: {"hour": 10, "minute": 51}
